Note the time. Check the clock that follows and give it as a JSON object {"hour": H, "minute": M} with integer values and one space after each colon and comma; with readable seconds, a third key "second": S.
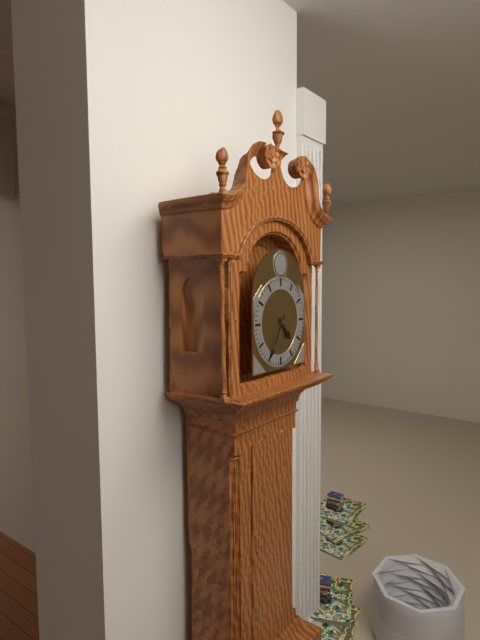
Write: {"hour": 4, "minute": 35}
